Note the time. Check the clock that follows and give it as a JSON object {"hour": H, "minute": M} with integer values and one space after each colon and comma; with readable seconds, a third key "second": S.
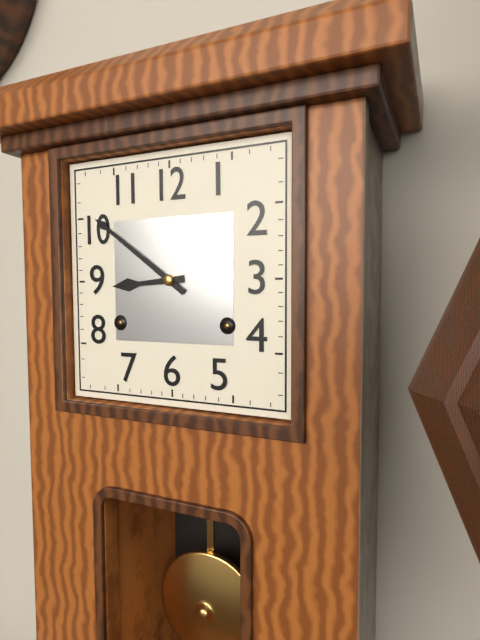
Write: {"hour": 8, "minute": 51}
